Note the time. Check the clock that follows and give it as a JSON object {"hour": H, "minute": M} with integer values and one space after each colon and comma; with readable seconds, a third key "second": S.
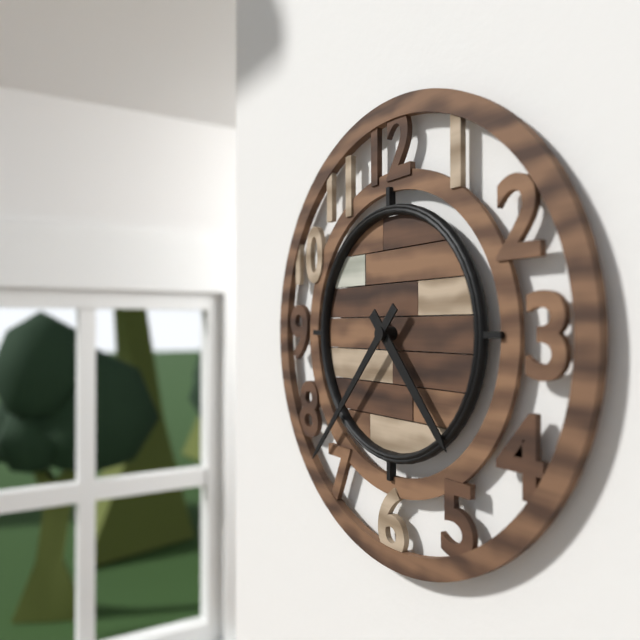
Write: {"hour": 4, "minute": 37}
